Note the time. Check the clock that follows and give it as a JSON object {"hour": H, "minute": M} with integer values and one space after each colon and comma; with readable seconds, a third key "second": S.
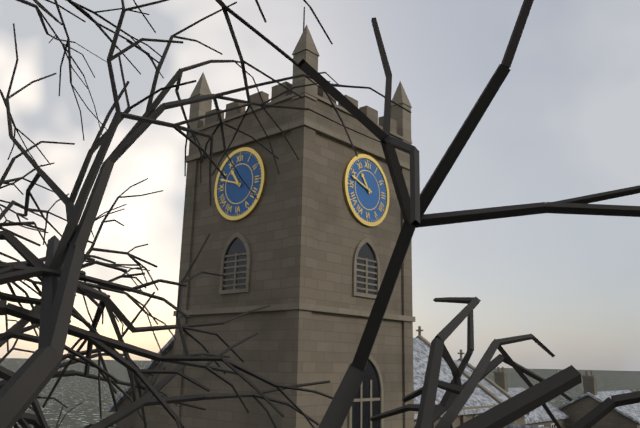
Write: {"hour": 10, "minute": 48}
